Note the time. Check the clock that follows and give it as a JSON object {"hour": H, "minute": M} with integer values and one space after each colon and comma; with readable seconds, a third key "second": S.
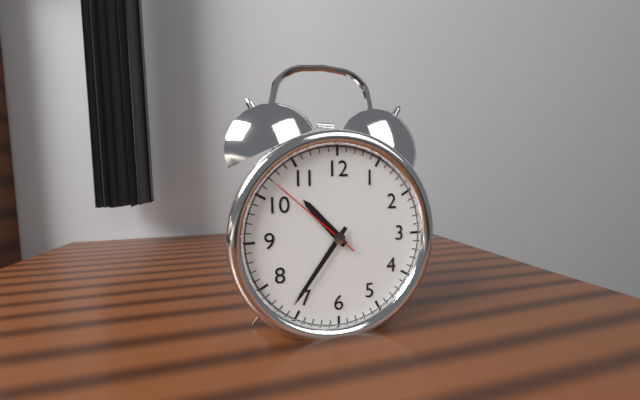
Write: {"hour": 10, "minute": 36, "second": 52}
